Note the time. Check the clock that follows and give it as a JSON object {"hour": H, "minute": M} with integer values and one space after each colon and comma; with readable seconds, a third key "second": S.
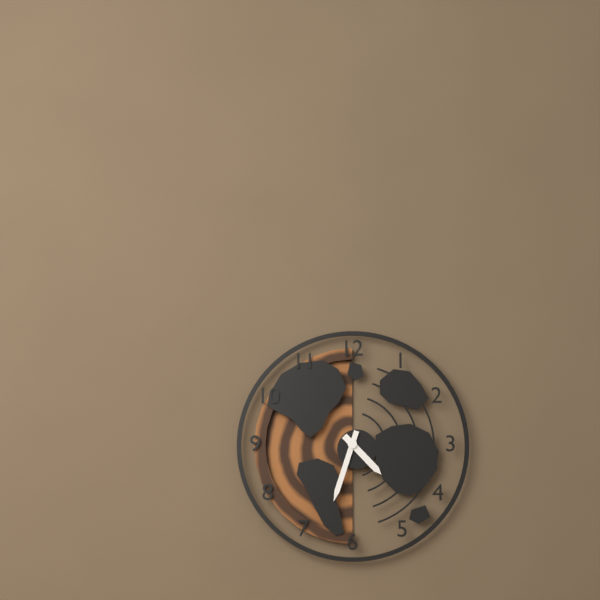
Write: {"hour": 4, "minute": 33}
